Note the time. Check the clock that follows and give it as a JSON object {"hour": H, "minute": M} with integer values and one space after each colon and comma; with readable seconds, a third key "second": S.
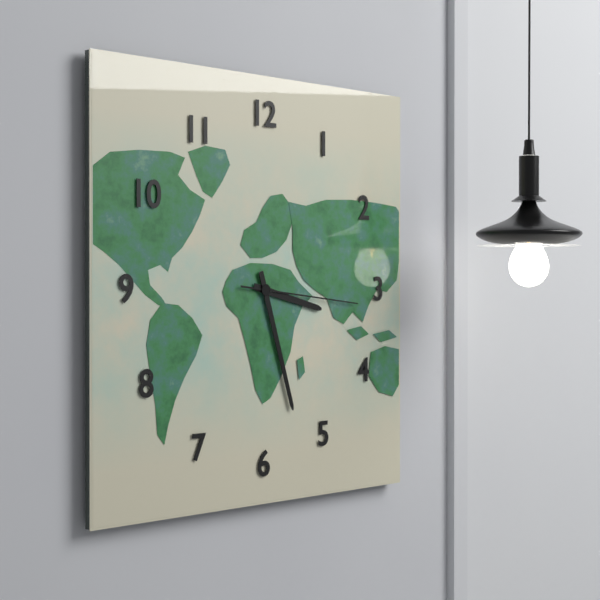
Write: {"hour": 3, "minute": 27, "second": 16}
